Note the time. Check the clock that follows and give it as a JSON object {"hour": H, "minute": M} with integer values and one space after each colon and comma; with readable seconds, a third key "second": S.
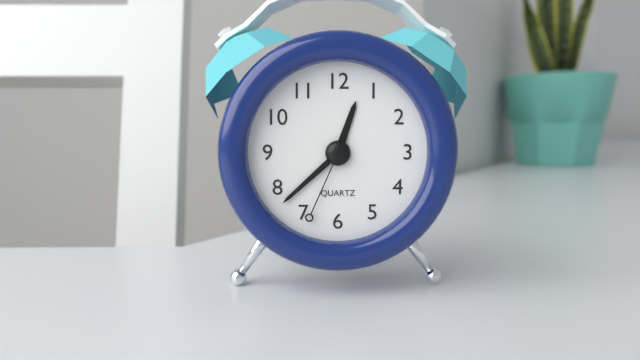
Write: {"hour": 12, "minute": 38, "second": 34}
